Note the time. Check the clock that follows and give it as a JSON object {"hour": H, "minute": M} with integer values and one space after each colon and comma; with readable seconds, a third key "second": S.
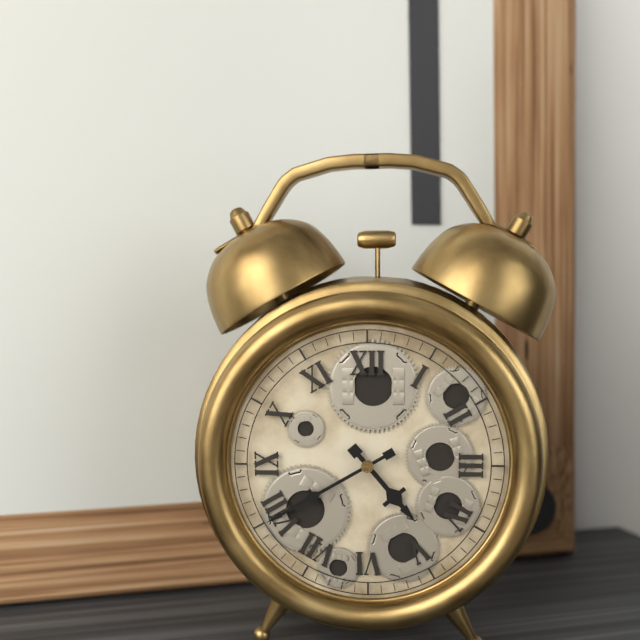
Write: {"hour": 4, "minute": 40}
